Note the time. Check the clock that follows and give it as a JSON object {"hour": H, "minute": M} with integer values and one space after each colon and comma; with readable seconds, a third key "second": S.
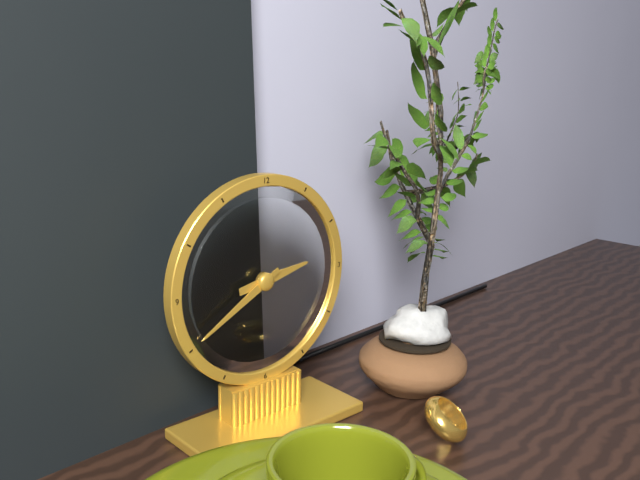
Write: {"hour": 2, "minute": 40}
